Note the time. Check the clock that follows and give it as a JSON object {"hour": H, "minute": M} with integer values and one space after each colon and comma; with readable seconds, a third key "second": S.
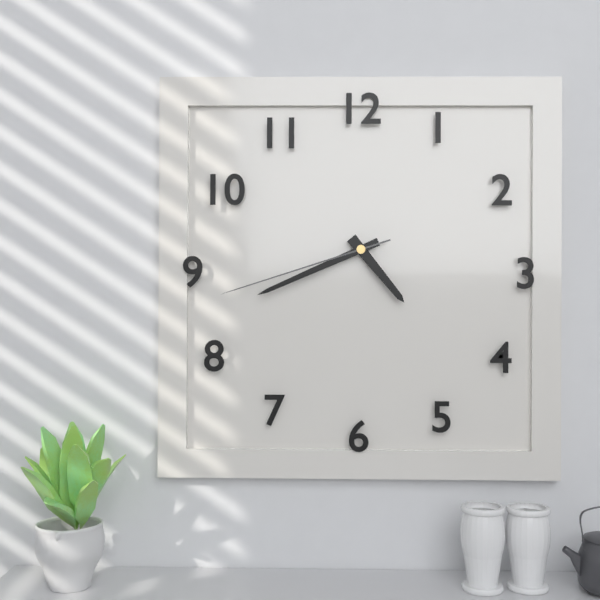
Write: {"hour": 4, "minute": 41, "second": 42}
